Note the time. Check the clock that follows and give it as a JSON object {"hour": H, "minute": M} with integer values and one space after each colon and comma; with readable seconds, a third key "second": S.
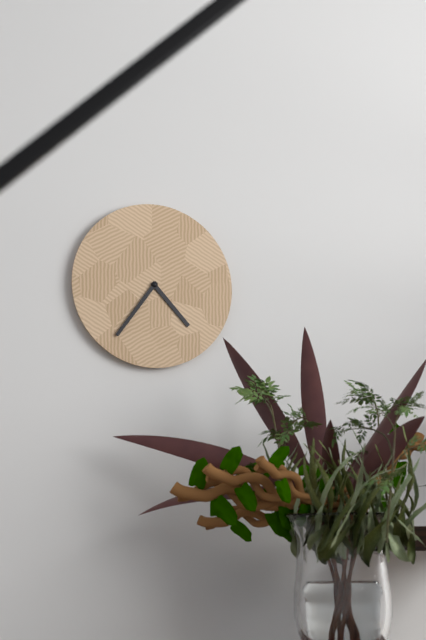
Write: {"hour": 4, "minute": 36}
